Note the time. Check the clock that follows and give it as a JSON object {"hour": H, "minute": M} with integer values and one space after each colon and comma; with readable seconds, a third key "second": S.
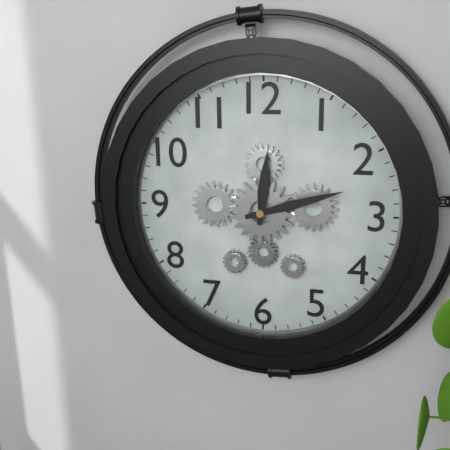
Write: {"hour": 12, "minute": 12}
